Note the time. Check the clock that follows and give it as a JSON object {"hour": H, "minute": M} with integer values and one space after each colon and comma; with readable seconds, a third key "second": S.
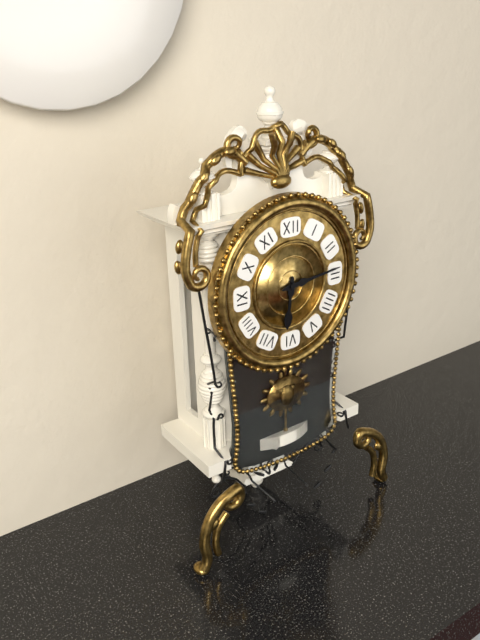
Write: {"hour": 6, "minute": 14}
